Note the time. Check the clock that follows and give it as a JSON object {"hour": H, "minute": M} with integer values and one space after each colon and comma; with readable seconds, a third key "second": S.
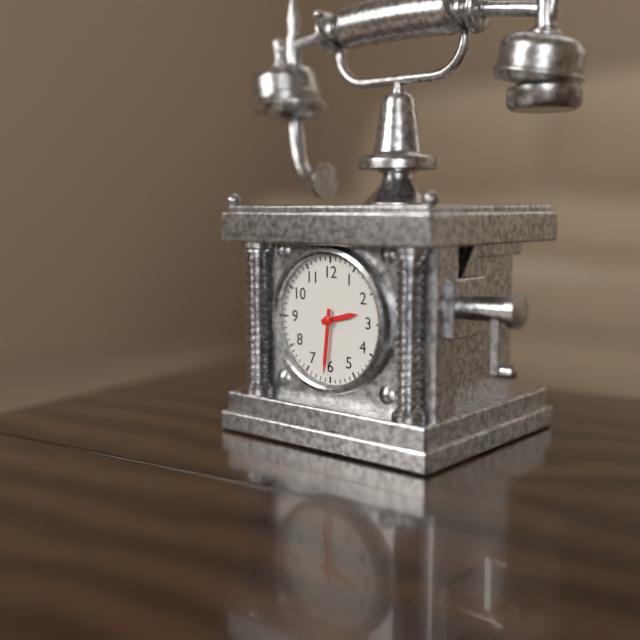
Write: {"hour": 2, "minute": 31}
